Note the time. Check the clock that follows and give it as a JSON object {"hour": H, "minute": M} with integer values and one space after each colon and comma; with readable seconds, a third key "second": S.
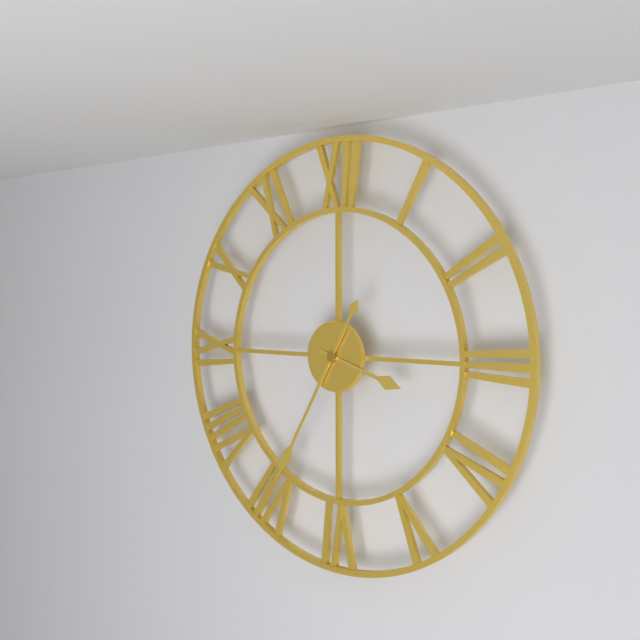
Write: {"hour": 3, "minute": 35}
